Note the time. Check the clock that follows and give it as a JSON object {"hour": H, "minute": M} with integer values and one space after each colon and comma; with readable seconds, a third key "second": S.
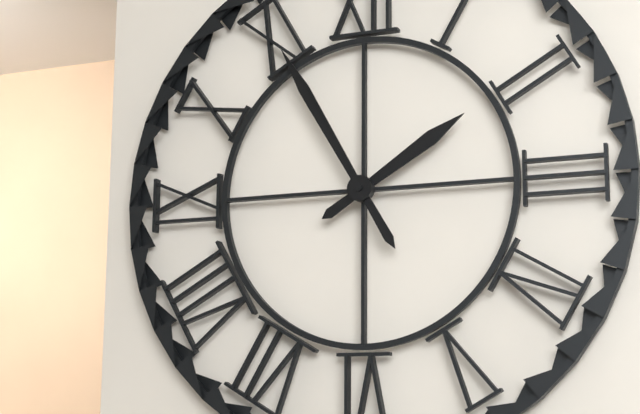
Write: {"hour": 1, "minute": 55}
